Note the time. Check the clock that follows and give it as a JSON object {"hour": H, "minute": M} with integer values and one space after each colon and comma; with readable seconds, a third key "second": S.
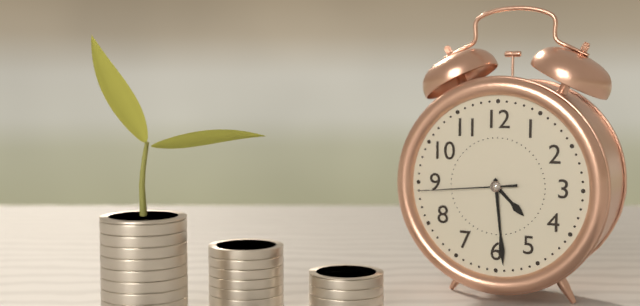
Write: {"hour": 4, "minute": 29, "second": 44}
